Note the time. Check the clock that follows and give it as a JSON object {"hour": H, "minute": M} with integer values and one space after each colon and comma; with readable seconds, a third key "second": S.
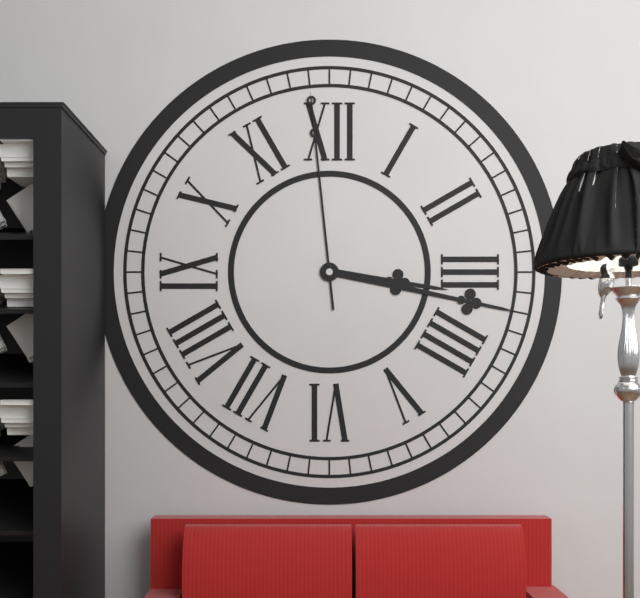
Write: {"hour": 3, "minute": 17, "second": 59}
